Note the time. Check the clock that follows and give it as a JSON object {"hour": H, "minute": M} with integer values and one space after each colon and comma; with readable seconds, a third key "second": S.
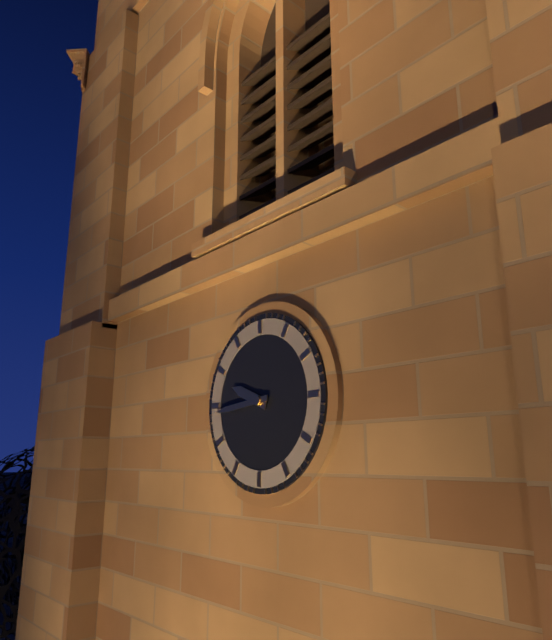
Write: {"hour": 9, "minute": 44}
